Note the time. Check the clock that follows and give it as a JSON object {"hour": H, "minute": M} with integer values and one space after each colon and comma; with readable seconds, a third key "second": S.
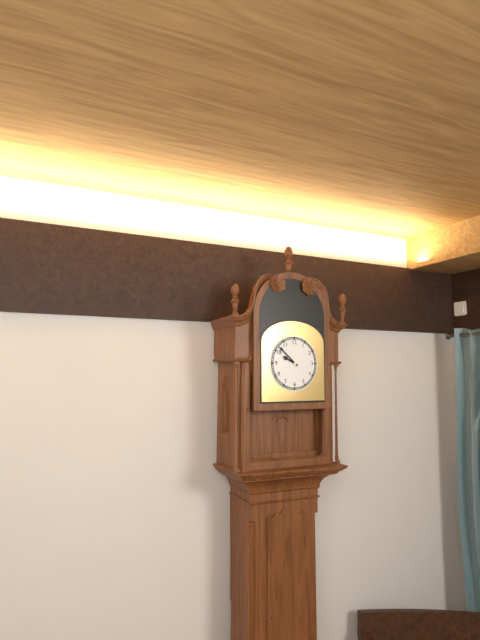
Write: {"hour": 9, "minute": 52}
